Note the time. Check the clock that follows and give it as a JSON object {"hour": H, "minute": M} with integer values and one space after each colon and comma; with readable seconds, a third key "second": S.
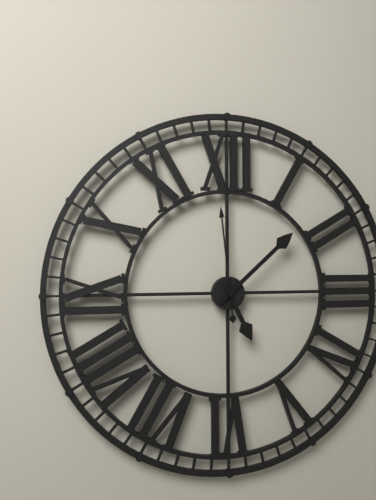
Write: {"hour": 5, "minute": 8, "second": 59}
